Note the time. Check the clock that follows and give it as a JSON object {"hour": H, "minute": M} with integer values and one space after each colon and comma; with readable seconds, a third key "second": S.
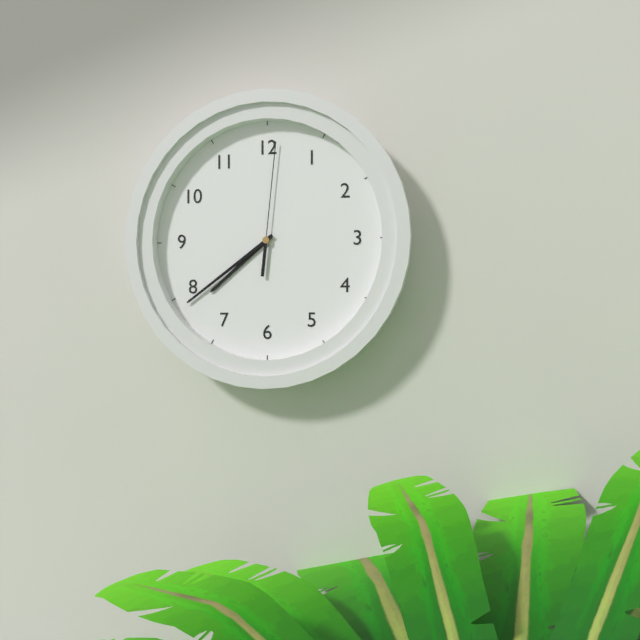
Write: {"hour": 7, "minute": 39, "second": 1}
